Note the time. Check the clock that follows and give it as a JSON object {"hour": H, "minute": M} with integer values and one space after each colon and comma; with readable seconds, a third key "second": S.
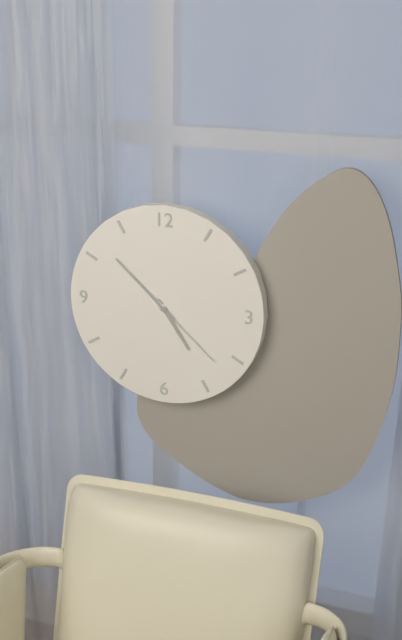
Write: {"hour": 4, "minute": 52, "second": 22}
